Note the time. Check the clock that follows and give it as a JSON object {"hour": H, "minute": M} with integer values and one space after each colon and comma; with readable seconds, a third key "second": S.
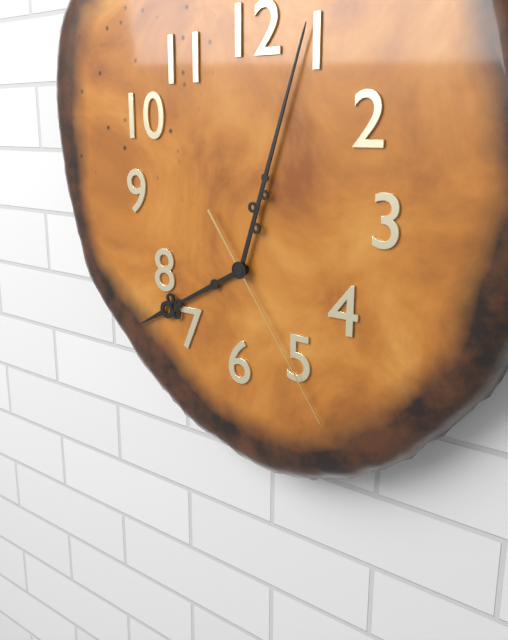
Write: {"hour": 8, "minute": 3, "second": 24}
